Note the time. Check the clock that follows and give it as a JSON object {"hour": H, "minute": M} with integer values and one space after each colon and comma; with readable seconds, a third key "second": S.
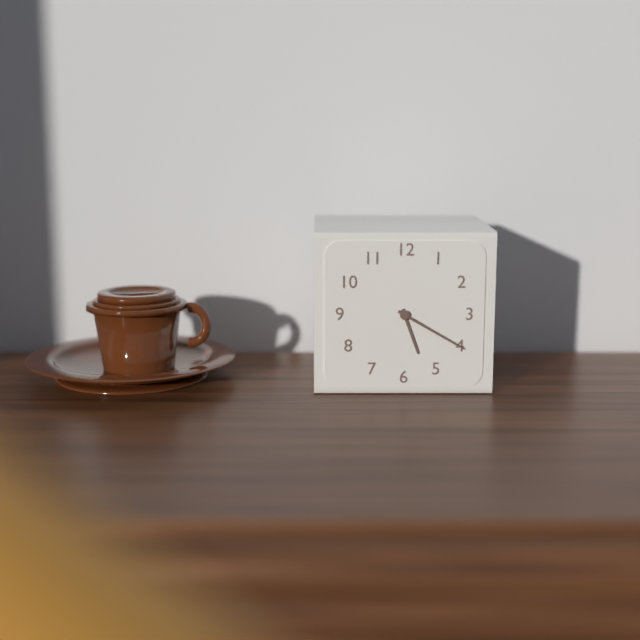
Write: {"hour": 5, "minute": 20}
